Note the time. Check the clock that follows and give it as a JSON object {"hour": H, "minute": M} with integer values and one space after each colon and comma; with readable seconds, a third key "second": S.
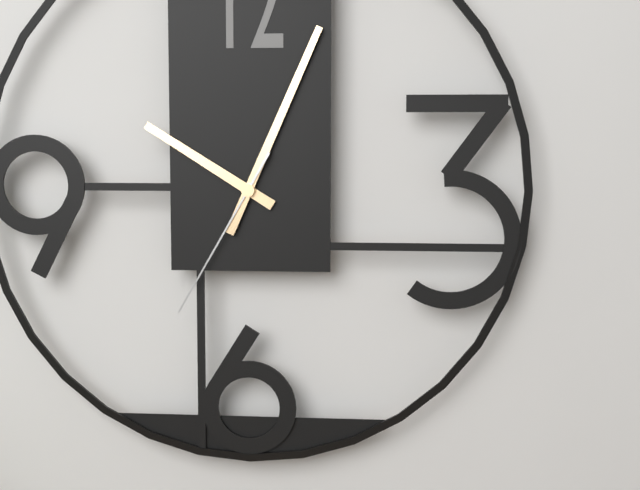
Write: {"hour": 10, "minute": 4, "second": 35}
